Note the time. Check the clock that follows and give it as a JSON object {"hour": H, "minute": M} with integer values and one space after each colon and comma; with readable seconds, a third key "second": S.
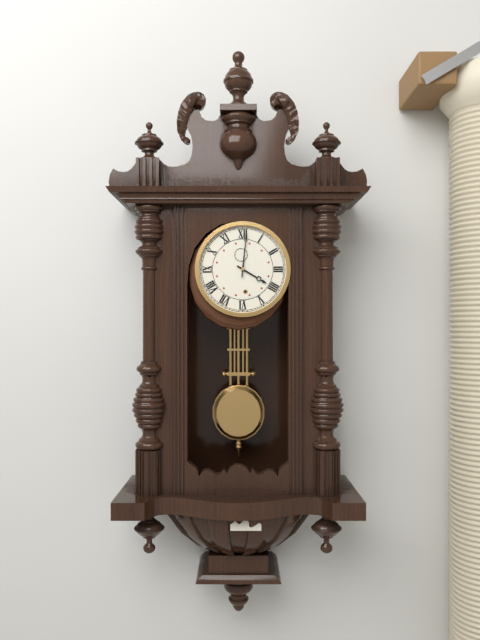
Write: {"hour": 4, "minute": 1}
